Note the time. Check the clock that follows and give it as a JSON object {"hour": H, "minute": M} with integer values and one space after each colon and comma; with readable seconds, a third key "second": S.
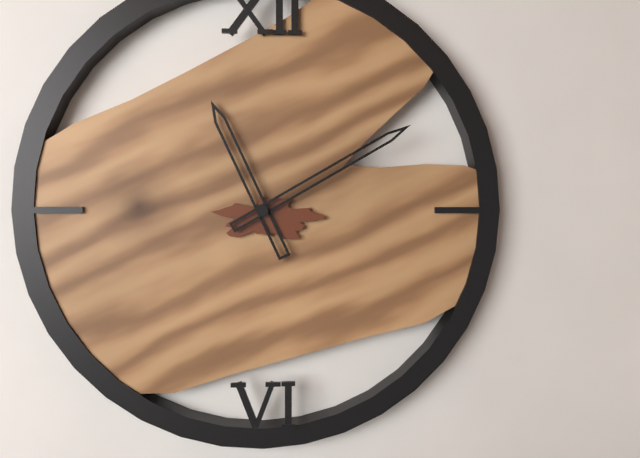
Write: {"hour": 11, "minute": 10}
